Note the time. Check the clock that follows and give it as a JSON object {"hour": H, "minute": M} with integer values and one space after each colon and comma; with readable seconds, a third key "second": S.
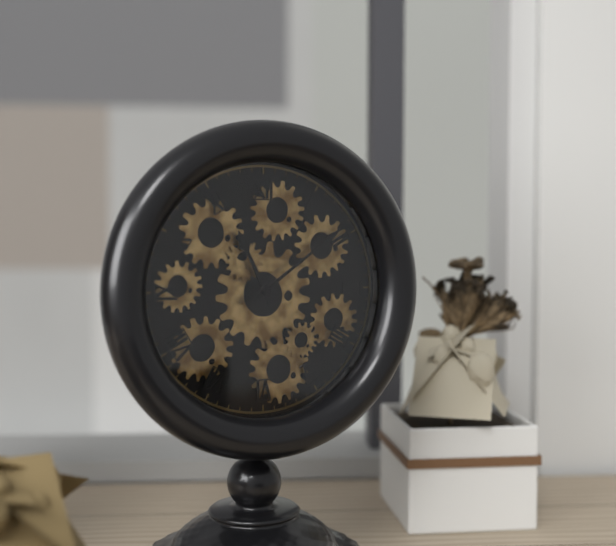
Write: {"hour": 11, "minute": 9}
